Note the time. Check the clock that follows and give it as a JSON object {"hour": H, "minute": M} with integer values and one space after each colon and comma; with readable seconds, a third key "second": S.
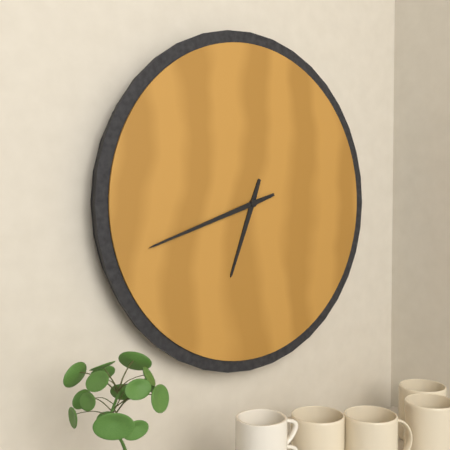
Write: {"hour": 6, "minute": 42}
